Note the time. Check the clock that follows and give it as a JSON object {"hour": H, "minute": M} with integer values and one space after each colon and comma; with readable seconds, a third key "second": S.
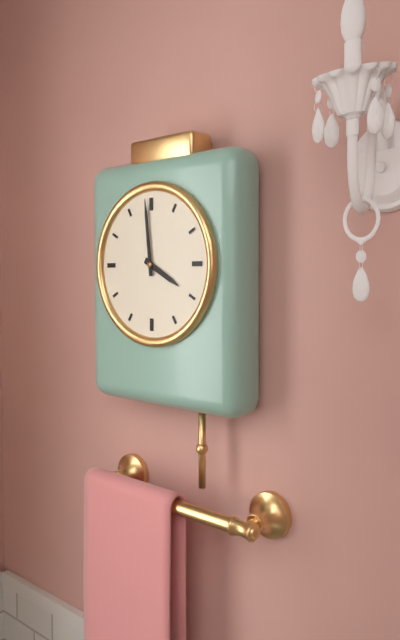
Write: {"hour": 3, "minute": 59}
